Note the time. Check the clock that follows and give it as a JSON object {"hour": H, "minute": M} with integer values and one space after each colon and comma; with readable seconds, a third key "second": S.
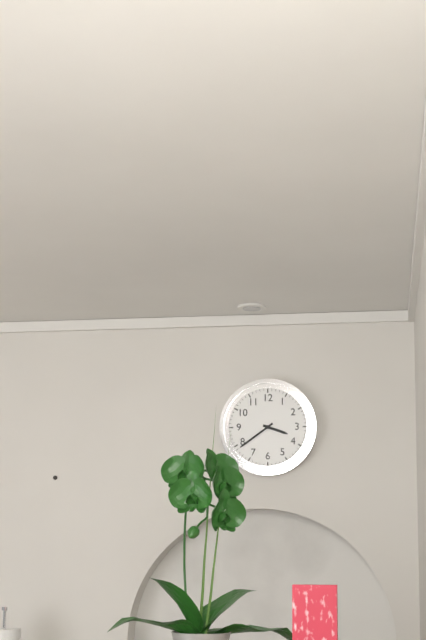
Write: {"hour": 3, "minute": 39}
